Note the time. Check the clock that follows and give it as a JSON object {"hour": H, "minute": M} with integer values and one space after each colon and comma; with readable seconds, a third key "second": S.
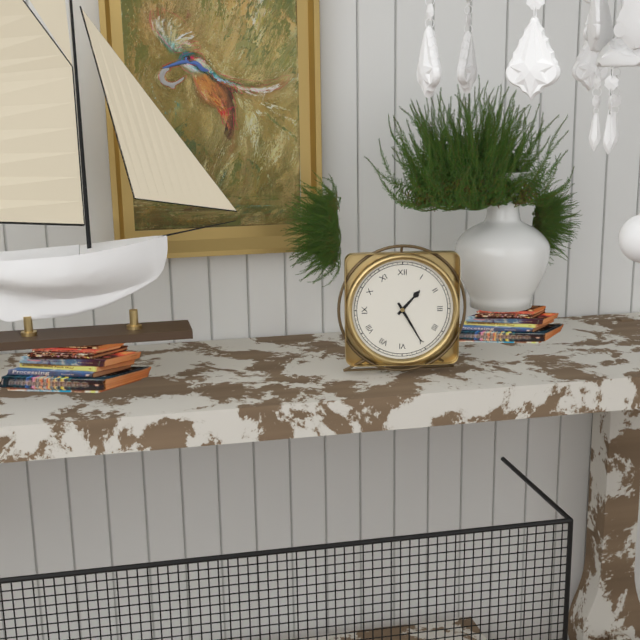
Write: {"hour": 1, "minute": 25}
